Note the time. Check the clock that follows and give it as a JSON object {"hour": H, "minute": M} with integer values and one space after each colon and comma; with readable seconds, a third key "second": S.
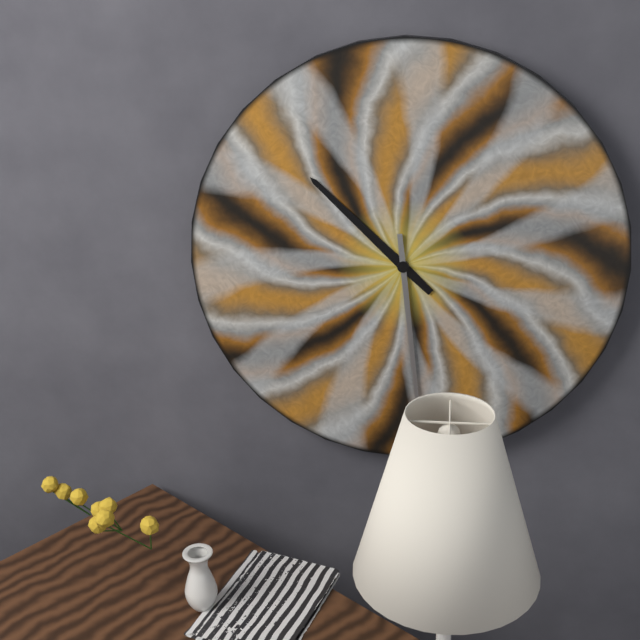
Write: {"hour": 10, "minute": 29}
